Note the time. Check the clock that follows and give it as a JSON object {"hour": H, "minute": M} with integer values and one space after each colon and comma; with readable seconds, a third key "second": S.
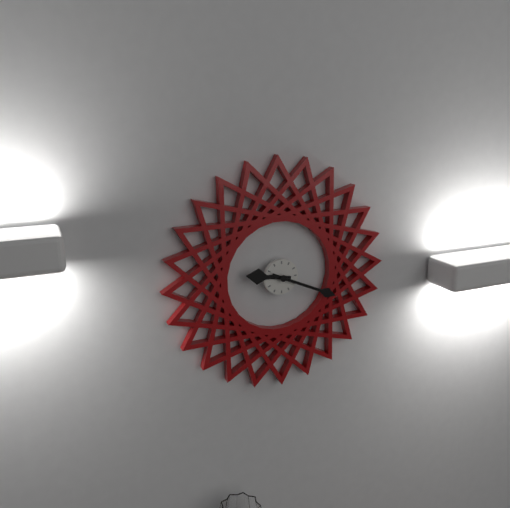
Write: {"hour": 9, "minute": 19}
